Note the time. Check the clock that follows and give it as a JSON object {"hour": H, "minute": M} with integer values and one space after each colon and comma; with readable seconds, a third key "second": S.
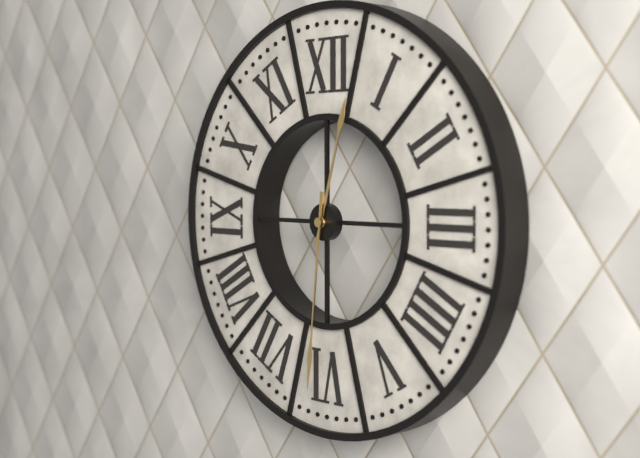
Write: {"hour": 12, "minute": 31}
